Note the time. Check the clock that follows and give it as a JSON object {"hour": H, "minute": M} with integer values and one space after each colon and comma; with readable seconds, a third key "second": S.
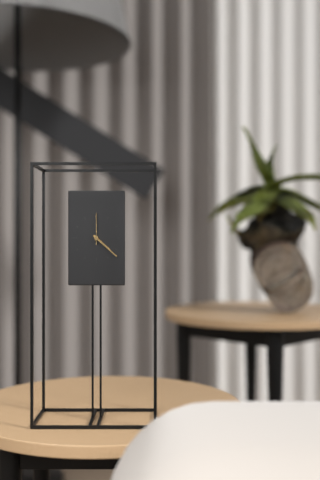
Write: {"hour": 4, "minute": 22}
